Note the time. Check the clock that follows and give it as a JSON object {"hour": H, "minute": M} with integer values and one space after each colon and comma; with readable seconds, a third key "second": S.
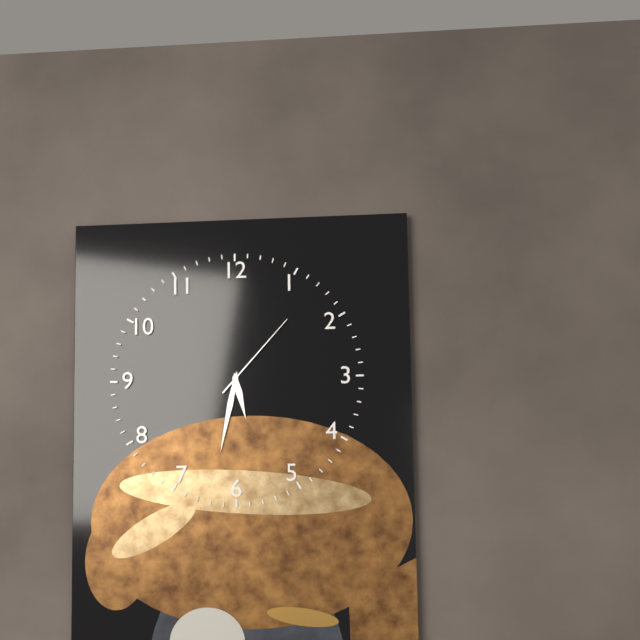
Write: {"hour": 5, "minute": 32, "second": 7}
